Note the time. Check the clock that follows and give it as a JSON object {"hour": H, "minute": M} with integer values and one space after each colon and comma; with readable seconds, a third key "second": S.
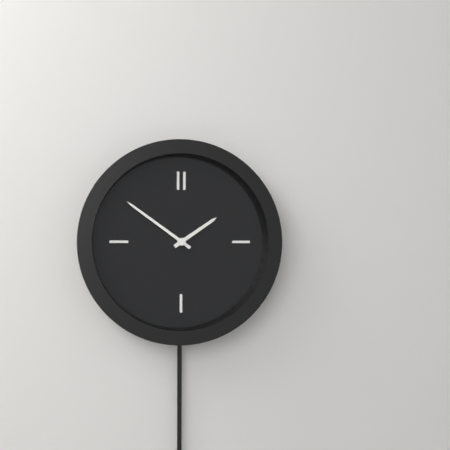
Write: {"hour": 1, "minute": 51}
